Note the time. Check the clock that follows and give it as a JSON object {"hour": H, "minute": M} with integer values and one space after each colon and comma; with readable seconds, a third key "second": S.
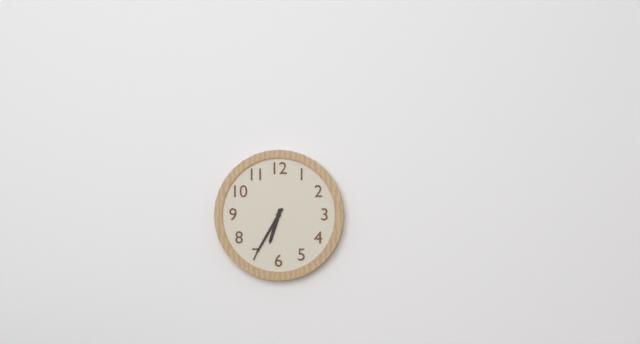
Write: {"hour": 6, "minute": 35}
